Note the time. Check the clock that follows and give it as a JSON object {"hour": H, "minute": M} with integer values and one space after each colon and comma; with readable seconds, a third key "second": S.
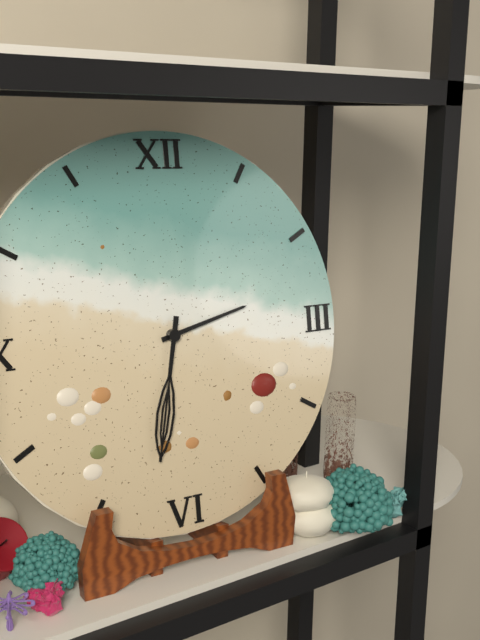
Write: {"hour": 2, "minute": 32}
